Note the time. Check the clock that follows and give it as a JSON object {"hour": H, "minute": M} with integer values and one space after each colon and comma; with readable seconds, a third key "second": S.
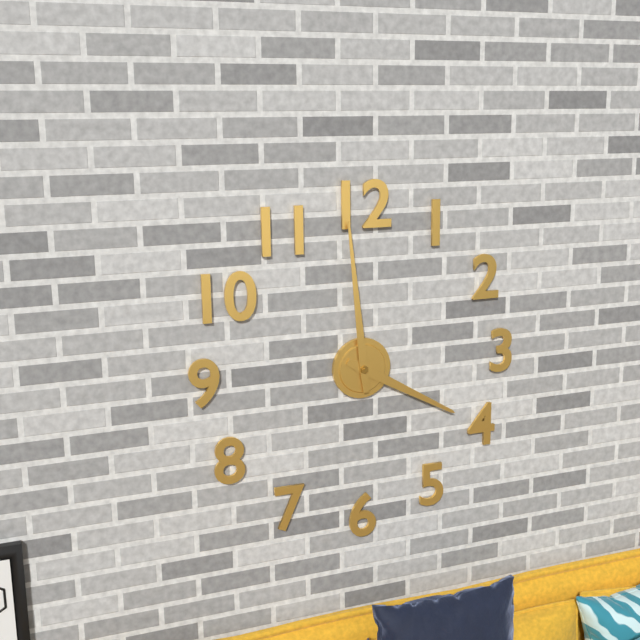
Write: {"hour": 3, "minute": 59}
